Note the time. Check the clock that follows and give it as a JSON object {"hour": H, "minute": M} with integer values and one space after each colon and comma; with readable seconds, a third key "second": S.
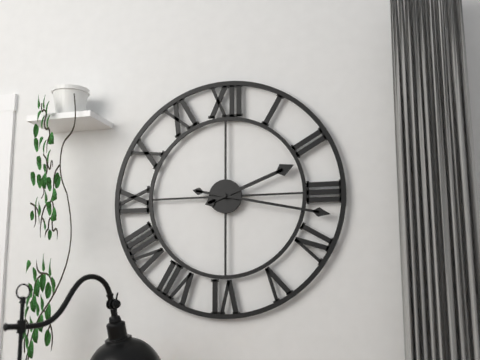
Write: {"hour": 2, "minute": 17}
